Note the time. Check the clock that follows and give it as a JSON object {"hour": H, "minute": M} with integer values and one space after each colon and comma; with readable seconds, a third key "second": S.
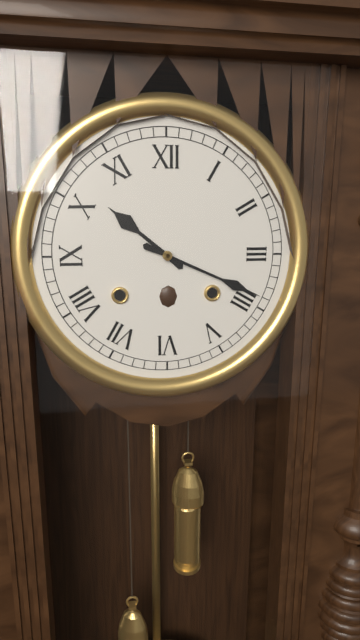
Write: {"hour": 10, "minute": 19}
